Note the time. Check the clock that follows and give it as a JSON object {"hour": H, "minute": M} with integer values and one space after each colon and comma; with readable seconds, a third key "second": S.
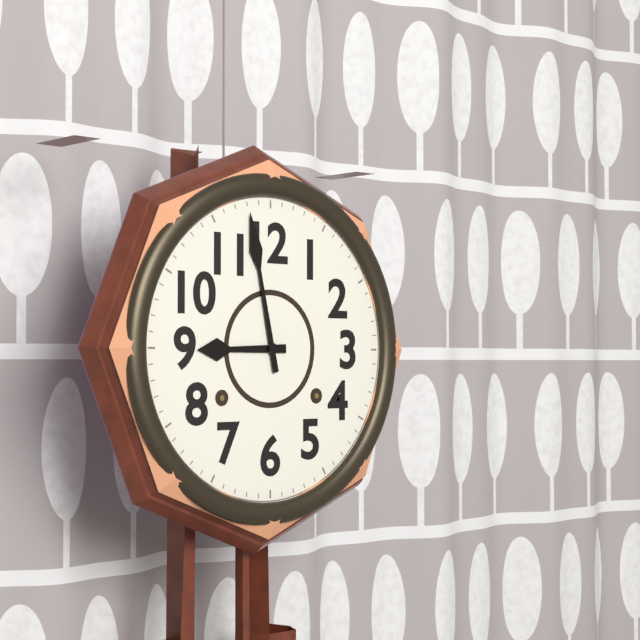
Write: {"hour": 8, "minute": 58}
